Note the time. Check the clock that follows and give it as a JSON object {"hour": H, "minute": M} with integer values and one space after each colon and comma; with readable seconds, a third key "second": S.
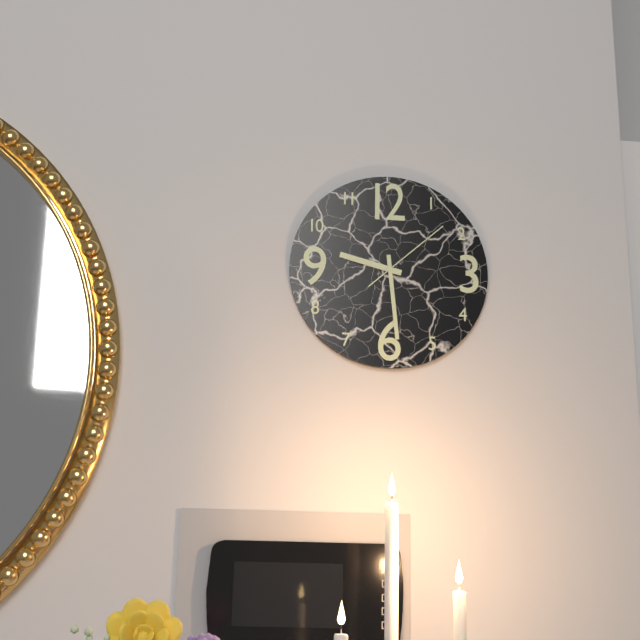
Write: {"hour": 9, "minute": 29, "second": 8}
